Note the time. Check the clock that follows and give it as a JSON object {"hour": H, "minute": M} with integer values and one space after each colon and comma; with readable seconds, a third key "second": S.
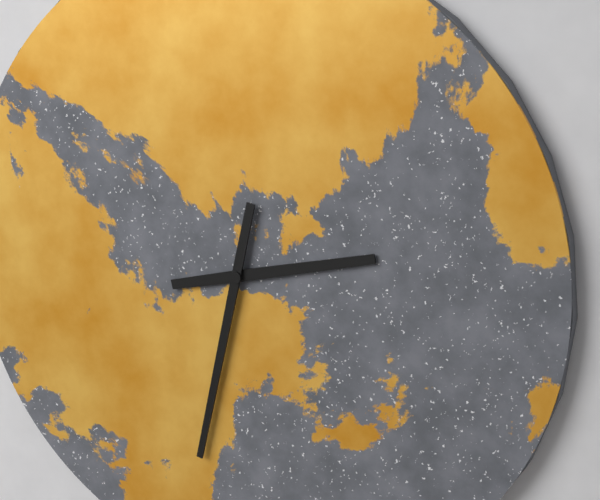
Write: {"hour": 2, "minute": 32}
